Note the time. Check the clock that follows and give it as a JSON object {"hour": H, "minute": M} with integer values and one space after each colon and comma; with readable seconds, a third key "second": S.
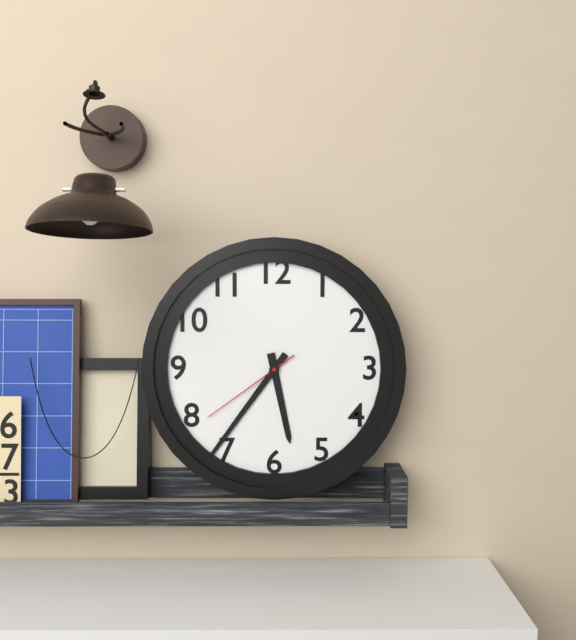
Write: {"hour": 5, "minute": 36, "second": 39}
